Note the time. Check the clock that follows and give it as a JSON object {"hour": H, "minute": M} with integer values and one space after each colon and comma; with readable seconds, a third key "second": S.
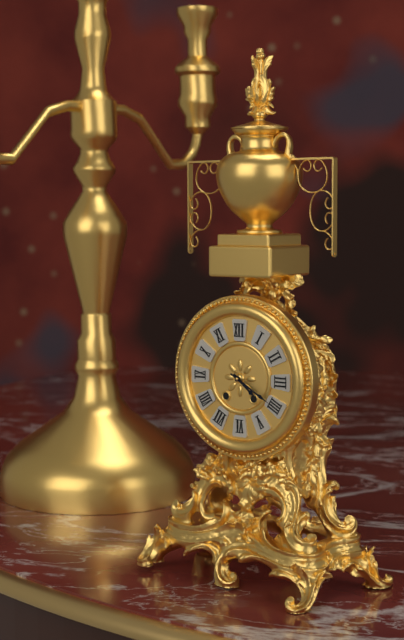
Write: {"hour": 4, "minute": 20}
